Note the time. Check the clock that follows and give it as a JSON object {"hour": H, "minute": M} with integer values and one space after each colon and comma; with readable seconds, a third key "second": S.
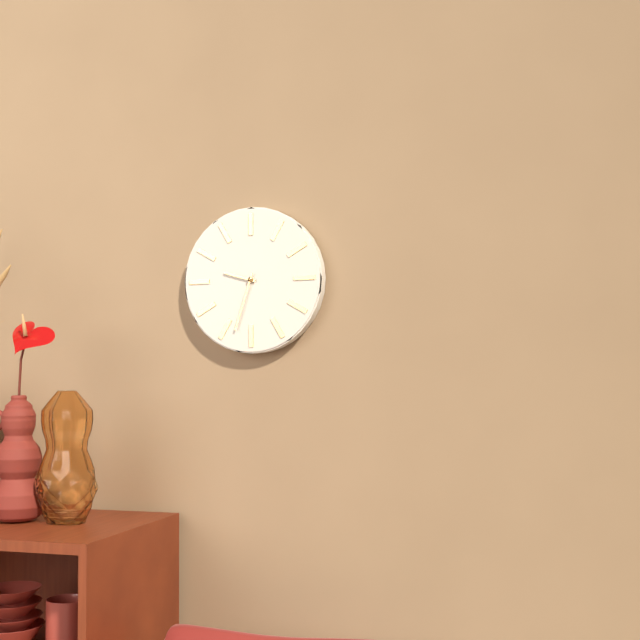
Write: {"hour": 9, "minute": 33}
